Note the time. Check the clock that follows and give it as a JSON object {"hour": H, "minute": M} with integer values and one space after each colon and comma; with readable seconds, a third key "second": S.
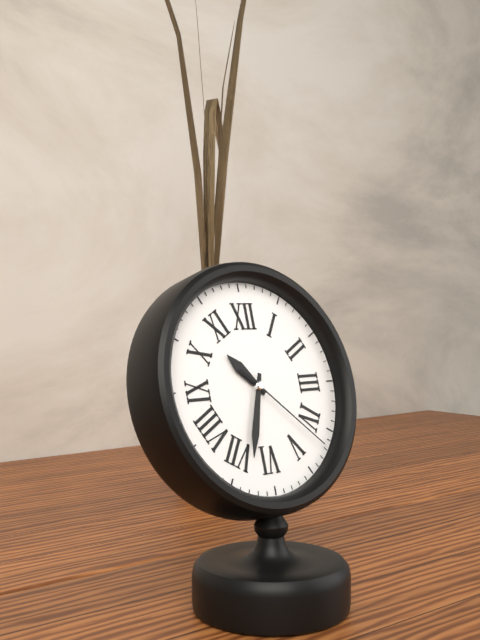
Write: {"hour": 10, "minute": 33, "second": 22}
